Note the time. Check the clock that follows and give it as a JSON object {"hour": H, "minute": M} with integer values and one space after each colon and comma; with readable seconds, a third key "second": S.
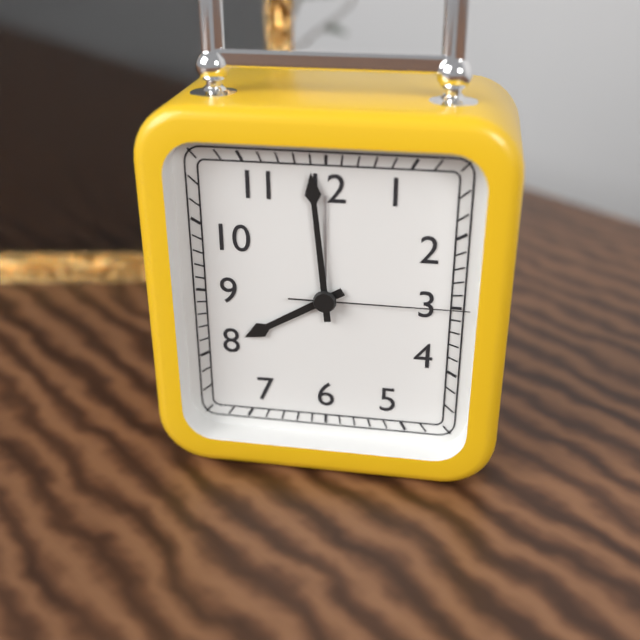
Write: {"hour": 7, "minute": 59, "second": 15}
